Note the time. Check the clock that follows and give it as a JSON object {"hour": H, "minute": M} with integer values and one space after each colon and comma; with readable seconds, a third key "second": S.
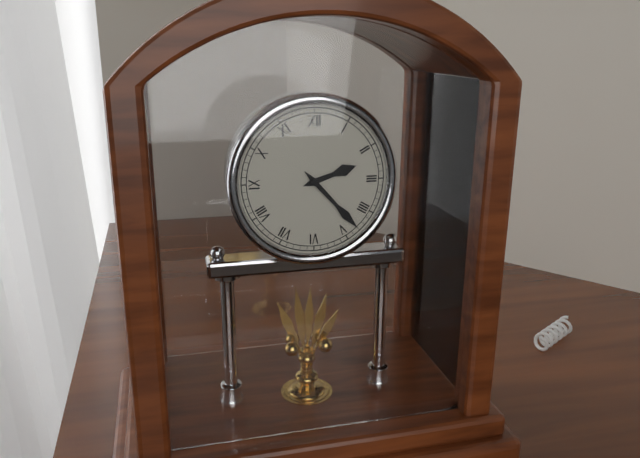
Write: {"hour": 2, "minute": 23}
